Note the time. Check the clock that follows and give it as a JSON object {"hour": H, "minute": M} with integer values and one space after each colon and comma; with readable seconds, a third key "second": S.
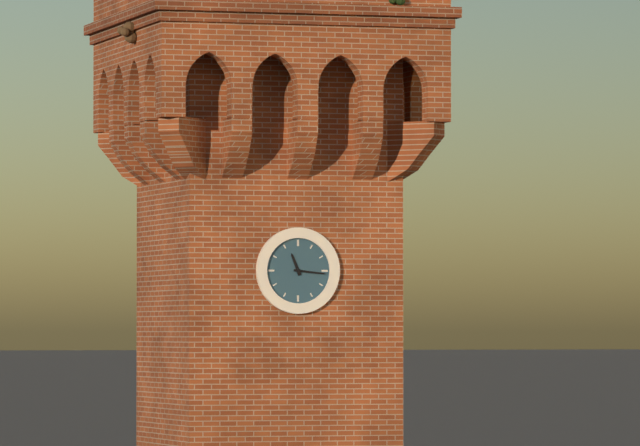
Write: {"hour": 11, "minute": 16}
